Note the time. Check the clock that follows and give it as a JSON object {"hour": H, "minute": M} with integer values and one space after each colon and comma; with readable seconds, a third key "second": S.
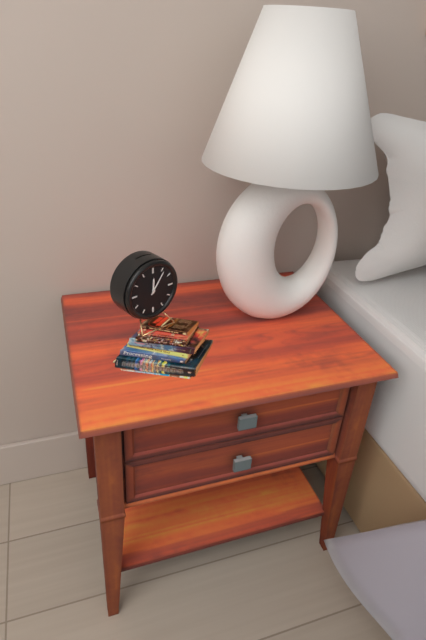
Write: {"hour": 12, "minute": 6}
